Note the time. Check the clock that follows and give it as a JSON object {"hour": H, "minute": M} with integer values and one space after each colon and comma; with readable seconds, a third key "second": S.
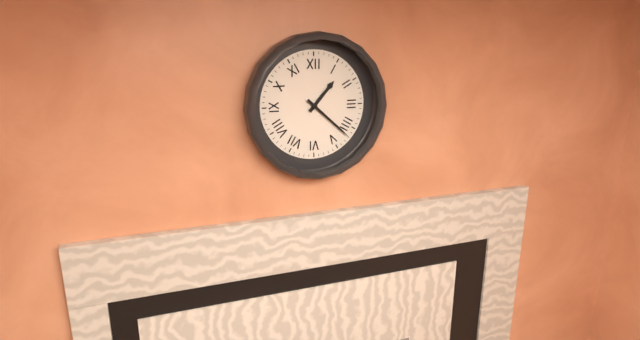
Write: {"hour": 1, "minute": 22}
